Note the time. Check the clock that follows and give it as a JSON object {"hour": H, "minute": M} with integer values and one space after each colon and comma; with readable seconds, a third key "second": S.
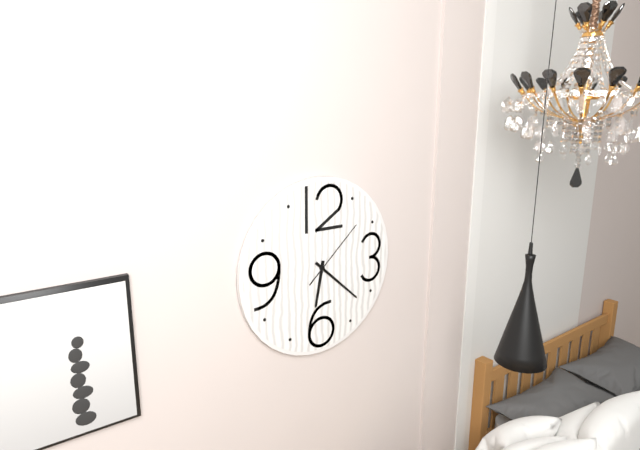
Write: {"hour": 6, "minute": 22, "second": 8}
